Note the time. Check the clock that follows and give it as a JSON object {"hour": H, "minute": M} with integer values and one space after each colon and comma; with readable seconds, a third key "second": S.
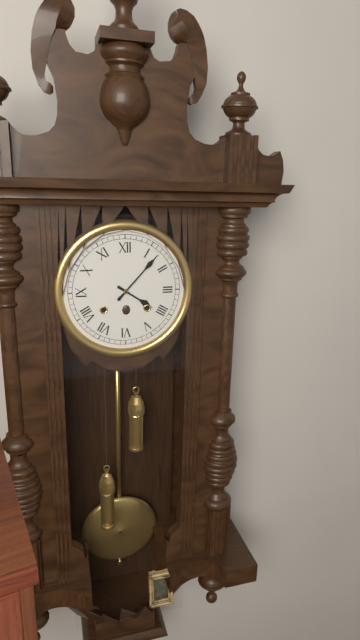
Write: {"hour": 4, "minute": 7}
